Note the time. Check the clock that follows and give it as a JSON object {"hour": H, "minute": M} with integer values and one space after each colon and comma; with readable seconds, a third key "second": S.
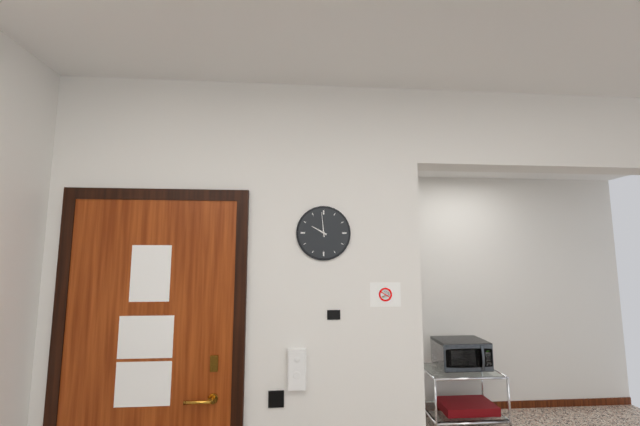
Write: {"hour": 9, "minute": 59}
